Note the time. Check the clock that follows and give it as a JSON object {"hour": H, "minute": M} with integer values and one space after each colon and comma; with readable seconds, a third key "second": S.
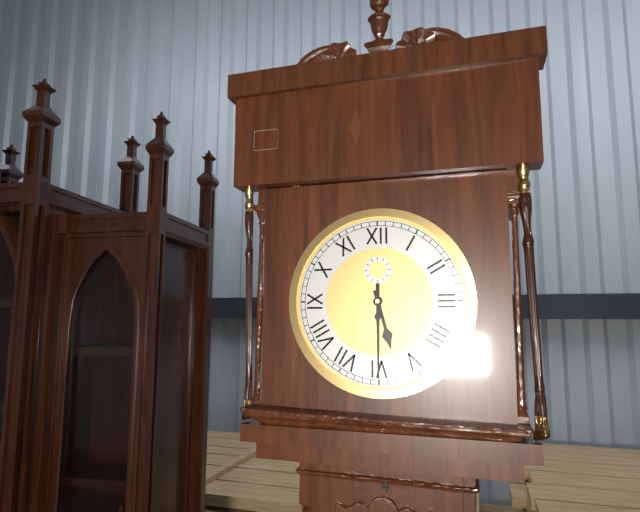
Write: {"hour": 5, "minute": 30}
